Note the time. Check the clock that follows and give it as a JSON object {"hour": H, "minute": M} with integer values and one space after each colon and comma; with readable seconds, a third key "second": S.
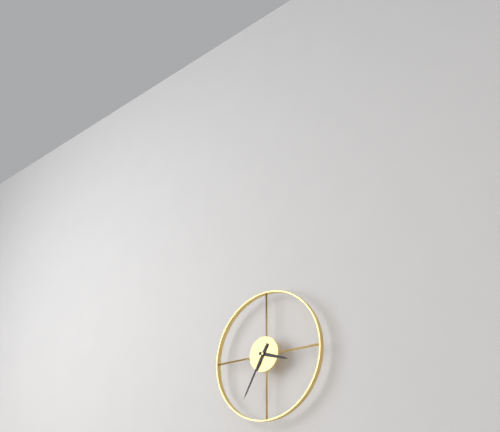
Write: {"hour": 3, "minute": 35}
